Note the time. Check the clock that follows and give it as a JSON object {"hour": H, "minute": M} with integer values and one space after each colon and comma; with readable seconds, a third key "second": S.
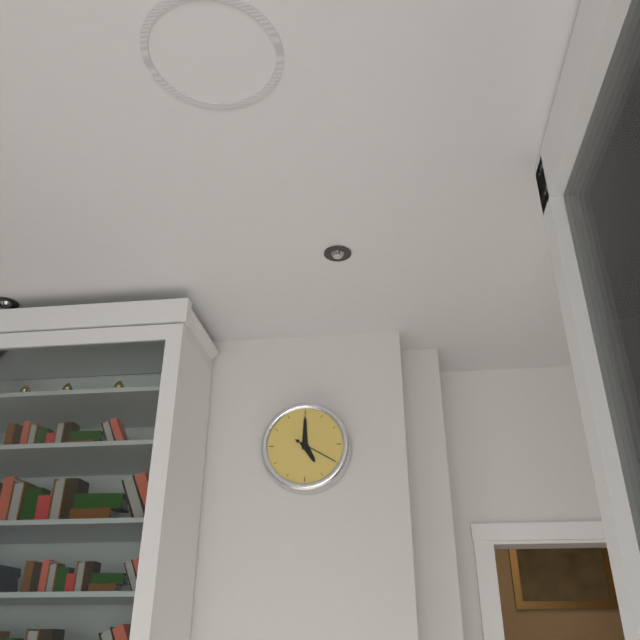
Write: {"hour": 5, "minute": 0}
